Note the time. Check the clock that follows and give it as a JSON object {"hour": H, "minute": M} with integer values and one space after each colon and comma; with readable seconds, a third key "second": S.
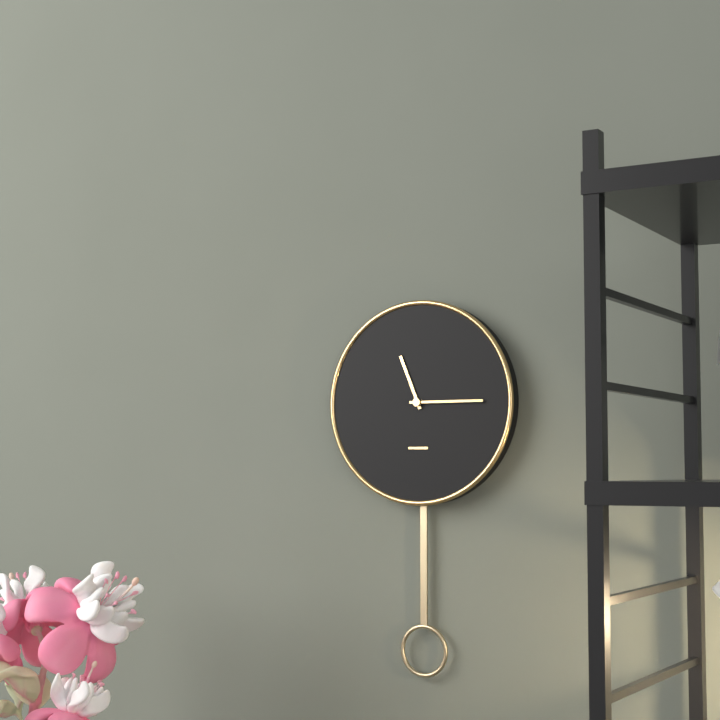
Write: {"hour": 11, "minute": 15}
